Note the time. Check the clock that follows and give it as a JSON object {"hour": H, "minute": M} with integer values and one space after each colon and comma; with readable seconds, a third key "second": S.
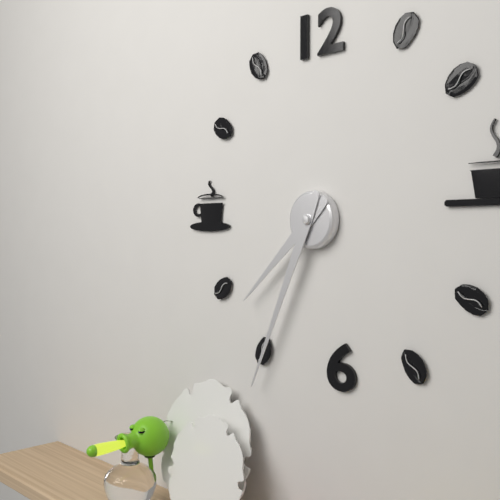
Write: {"hour": 7, "minute": 34}
